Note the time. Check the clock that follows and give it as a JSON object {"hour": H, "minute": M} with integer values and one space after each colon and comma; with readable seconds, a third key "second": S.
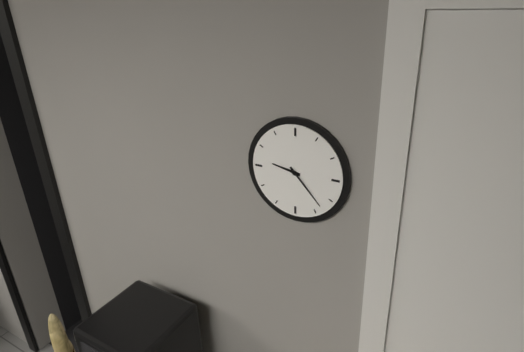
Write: {"hour": 9, "minute": 23}
